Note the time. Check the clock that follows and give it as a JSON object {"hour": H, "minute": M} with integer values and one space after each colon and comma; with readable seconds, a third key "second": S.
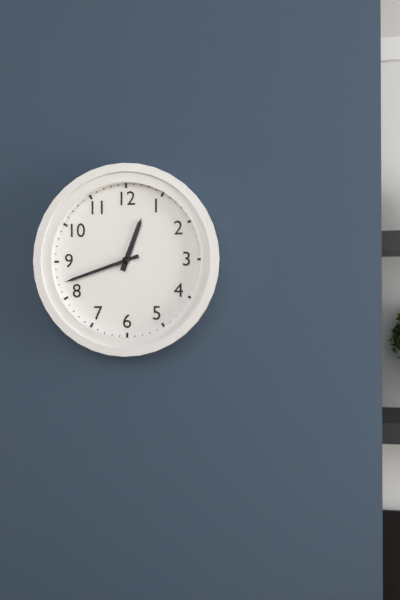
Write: {"hour": 12, "minute": 42}
